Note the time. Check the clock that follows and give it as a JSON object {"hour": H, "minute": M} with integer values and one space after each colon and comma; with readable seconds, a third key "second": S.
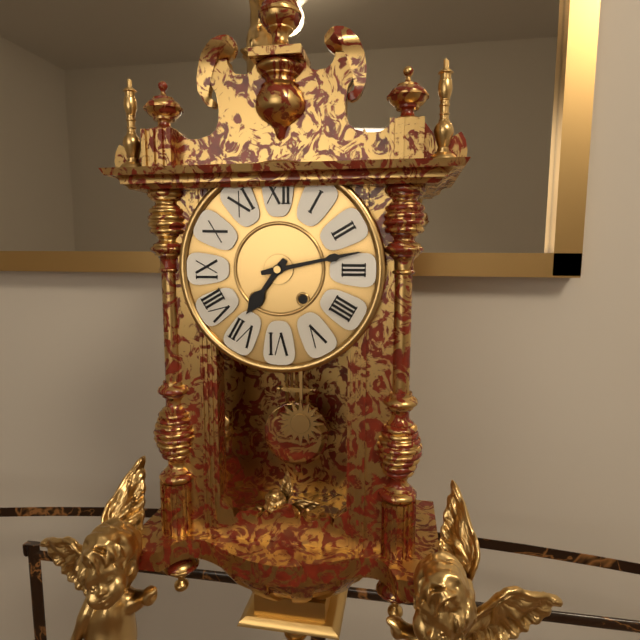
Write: {"hour": 7, "minute": 13}
